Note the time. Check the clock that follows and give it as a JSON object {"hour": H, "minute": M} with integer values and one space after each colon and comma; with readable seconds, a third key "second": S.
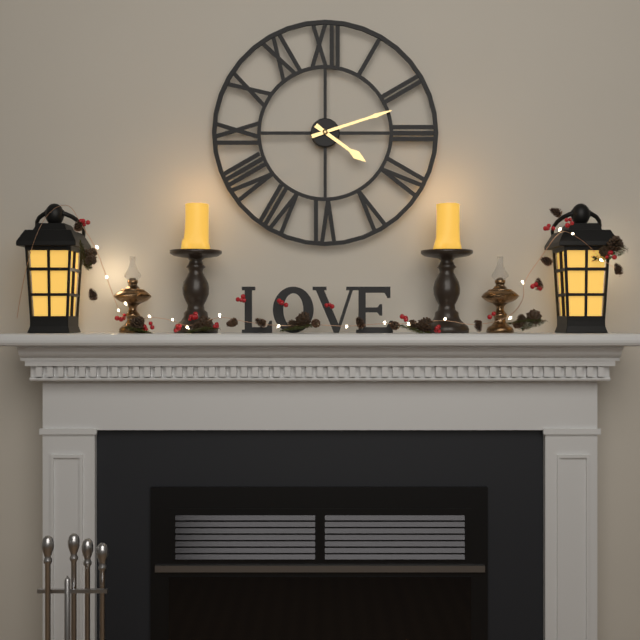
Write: {"hour": 4, "minute": 12}
